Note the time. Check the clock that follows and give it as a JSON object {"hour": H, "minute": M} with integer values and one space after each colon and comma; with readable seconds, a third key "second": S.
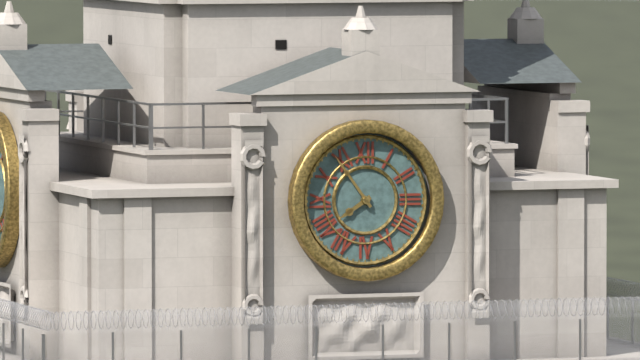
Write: {"hour": 7, "minute": 54}
